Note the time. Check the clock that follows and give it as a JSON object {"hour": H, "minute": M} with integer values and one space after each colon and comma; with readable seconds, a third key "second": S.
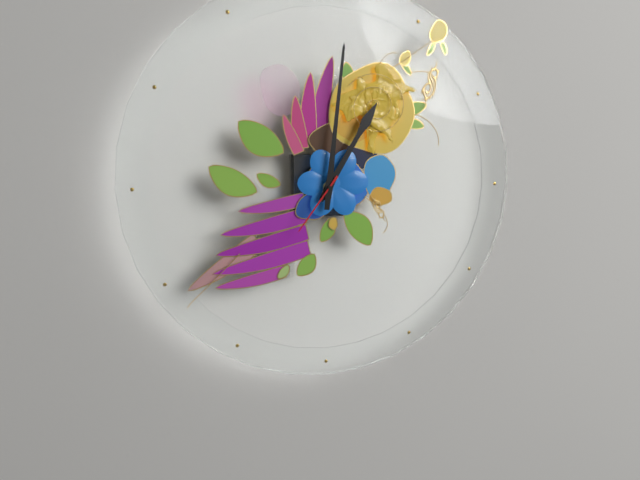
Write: {"hour": 1, "minute": 1, "second": 36}
